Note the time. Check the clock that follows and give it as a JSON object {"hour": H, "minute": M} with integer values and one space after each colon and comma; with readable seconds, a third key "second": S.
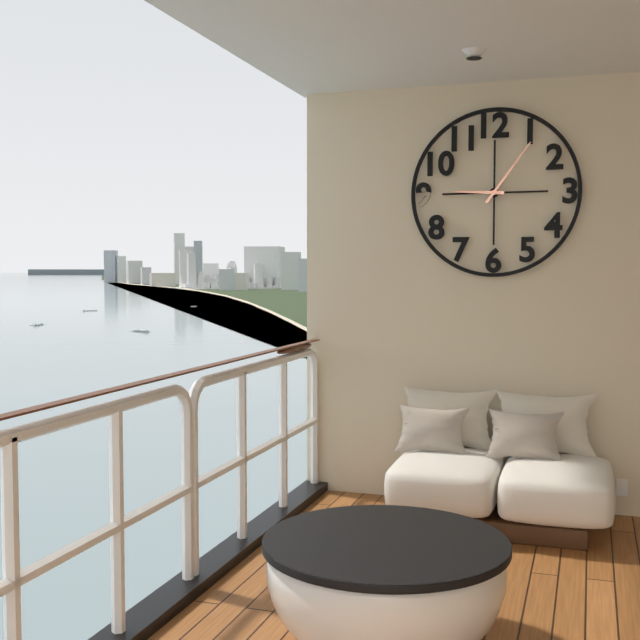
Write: {"hour": 9, "minute": 6}
